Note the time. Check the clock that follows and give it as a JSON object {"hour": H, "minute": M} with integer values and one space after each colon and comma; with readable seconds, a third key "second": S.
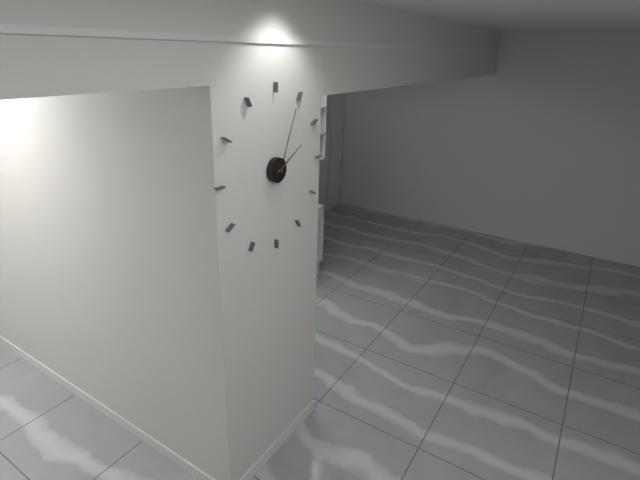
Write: {"hour": 2, "minute": 4}
